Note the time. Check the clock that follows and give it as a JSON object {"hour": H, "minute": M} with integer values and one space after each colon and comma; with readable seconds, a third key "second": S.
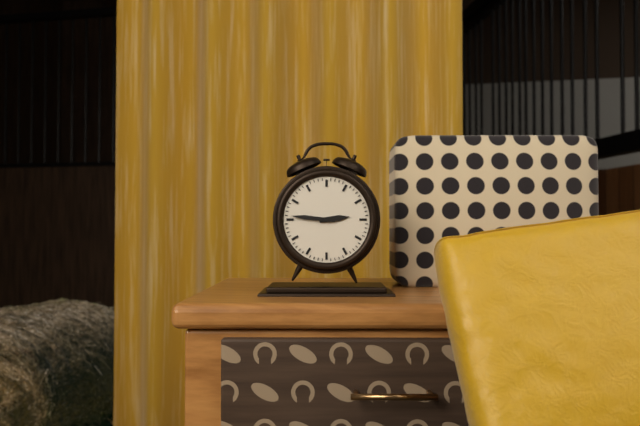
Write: {"hour": 2, "minute": 46}
